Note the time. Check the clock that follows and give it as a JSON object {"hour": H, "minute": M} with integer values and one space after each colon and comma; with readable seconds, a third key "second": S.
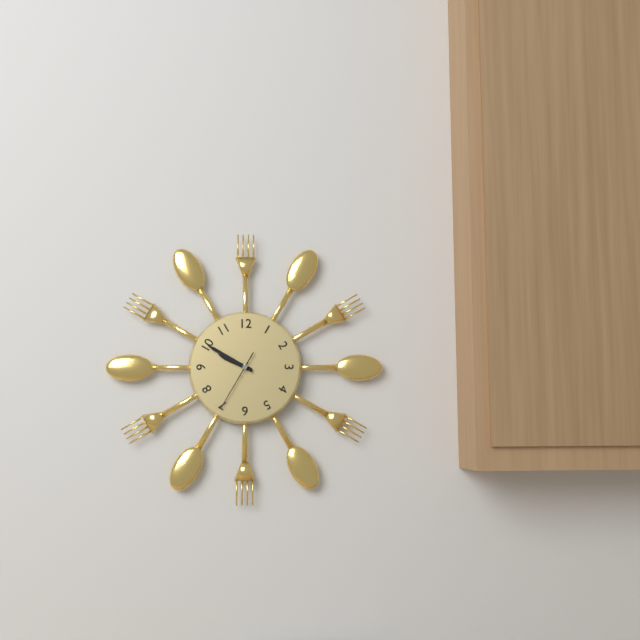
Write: {"hour": 9, "minute": 50, "second": 35}
